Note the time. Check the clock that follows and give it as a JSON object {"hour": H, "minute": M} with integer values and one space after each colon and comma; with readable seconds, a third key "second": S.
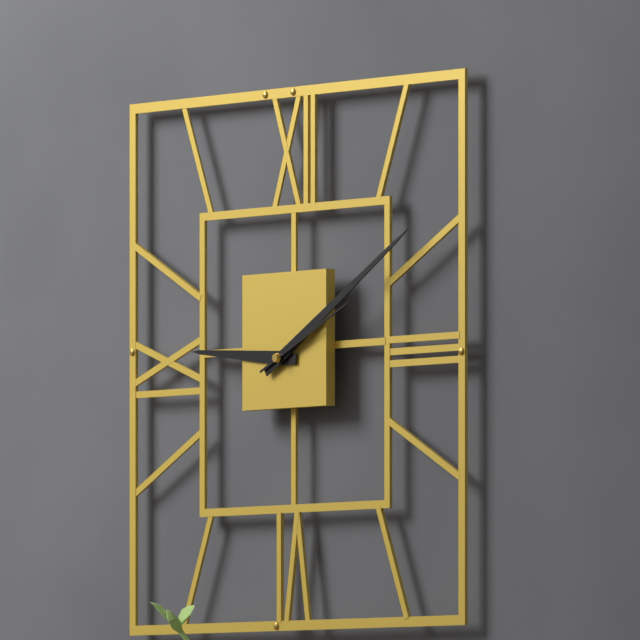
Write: {"hour": 9, "minute": 10, "second": 11}
